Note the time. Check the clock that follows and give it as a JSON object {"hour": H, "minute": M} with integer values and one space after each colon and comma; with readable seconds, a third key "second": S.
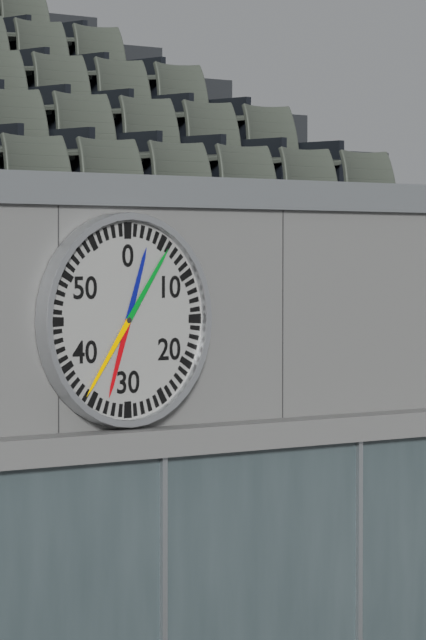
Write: {"hour": 6, "minute": 36}
